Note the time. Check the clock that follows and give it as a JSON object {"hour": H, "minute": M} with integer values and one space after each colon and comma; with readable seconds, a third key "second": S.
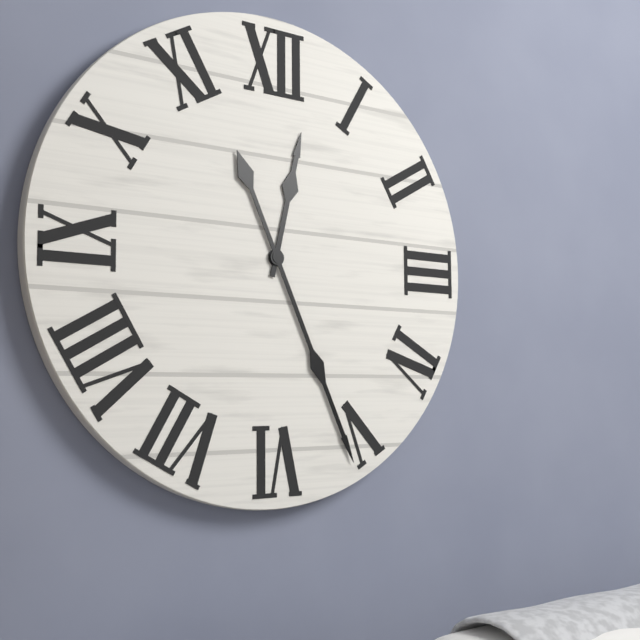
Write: {"hour": 12, "minute": 26}
